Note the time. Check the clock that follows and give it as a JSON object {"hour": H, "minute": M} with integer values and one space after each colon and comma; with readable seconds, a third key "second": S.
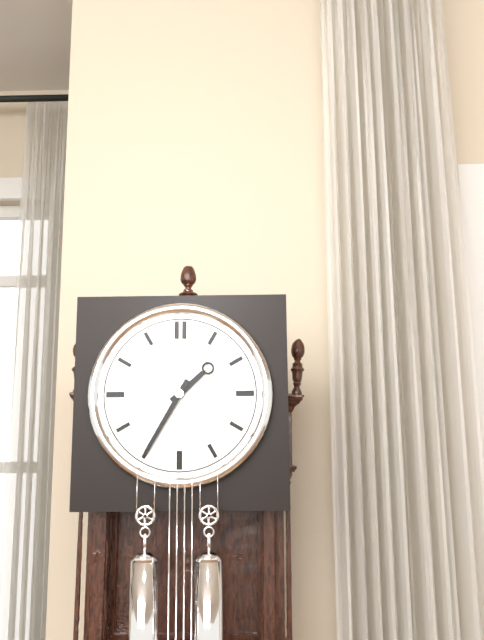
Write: {"hour": 1, "minute": 35}
